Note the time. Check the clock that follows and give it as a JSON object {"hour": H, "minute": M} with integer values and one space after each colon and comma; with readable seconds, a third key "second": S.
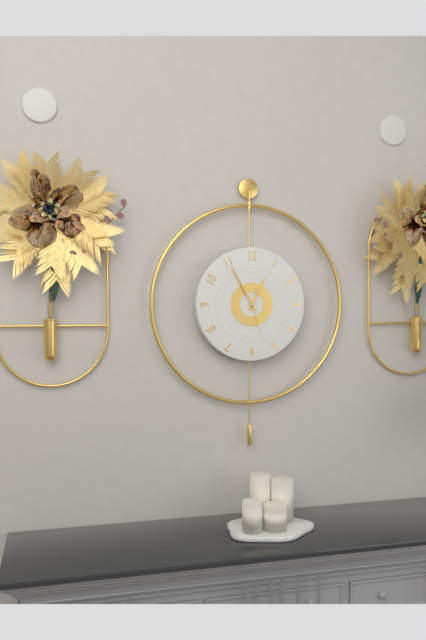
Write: {"hour": 12, "minute": 55}
